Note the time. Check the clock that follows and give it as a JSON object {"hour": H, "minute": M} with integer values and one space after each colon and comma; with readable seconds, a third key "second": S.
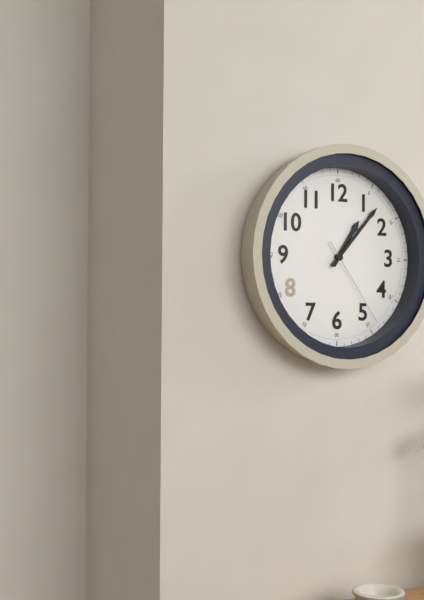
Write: {"hour": 1, "minute": 7, "second": 24}
